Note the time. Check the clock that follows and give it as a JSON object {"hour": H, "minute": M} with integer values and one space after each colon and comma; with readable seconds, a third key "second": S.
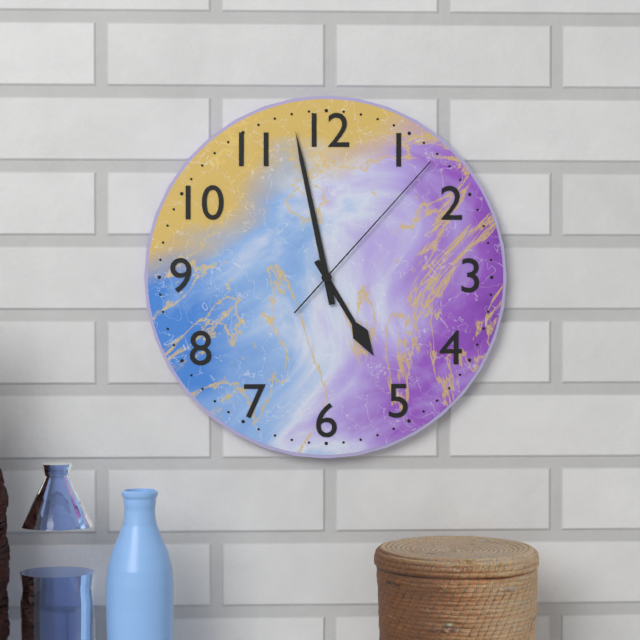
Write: {"hour": 4, "minute": 58, "second": 7}
